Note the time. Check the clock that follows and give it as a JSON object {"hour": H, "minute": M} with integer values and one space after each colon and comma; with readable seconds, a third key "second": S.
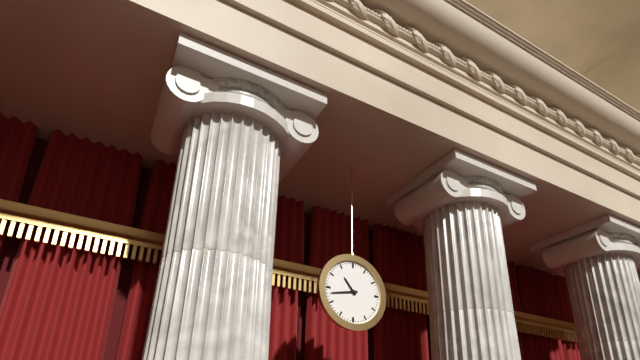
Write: {"hour": 10, "minute": 43}
